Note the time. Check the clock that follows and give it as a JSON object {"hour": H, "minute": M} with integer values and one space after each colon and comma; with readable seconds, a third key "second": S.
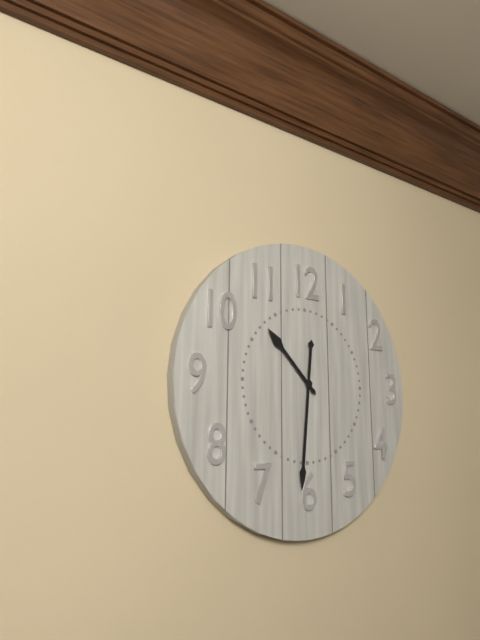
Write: {"hour": 10, "minute": 31}
